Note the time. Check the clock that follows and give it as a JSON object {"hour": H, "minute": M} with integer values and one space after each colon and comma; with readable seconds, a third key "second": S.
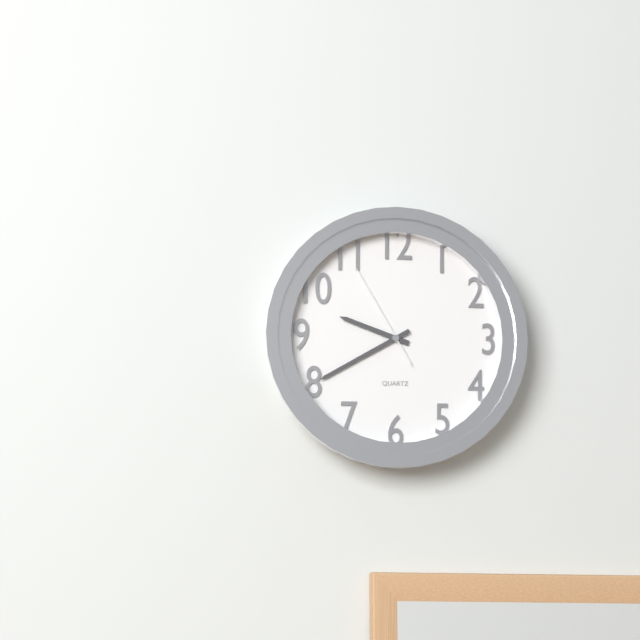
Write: {"hour": 9, "minute": 40, "second": 55}
